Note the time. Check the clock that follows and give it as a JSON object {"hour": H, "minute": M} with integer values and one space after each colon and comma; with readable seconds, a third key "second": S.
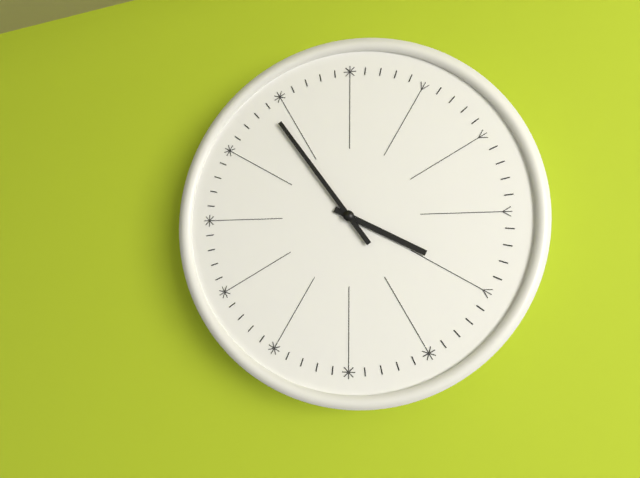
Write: {"hour": 3, "minute": 54}
